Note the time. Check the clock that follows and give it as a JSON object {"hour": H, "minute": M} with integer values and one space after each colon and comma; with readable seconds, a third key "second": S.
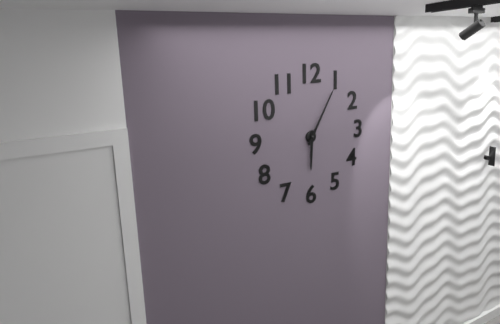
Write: {"hour": 6, "minute": 5}
